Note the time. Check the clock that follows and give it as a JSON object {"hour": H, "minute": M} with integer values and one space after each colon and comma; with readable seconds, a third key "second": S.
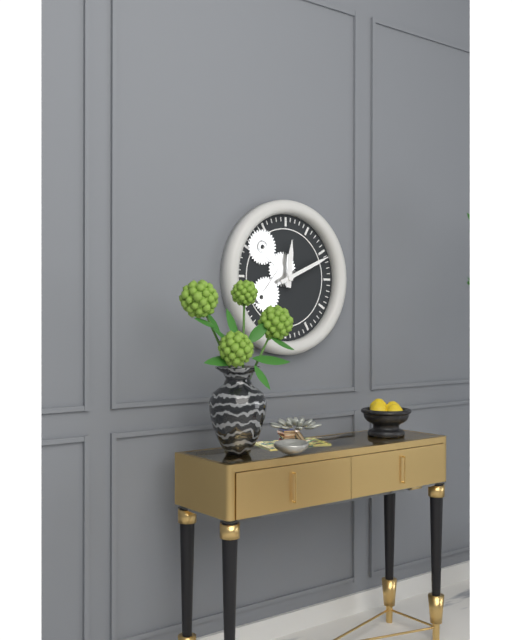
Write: {"hour": 12, "minute": 11}
